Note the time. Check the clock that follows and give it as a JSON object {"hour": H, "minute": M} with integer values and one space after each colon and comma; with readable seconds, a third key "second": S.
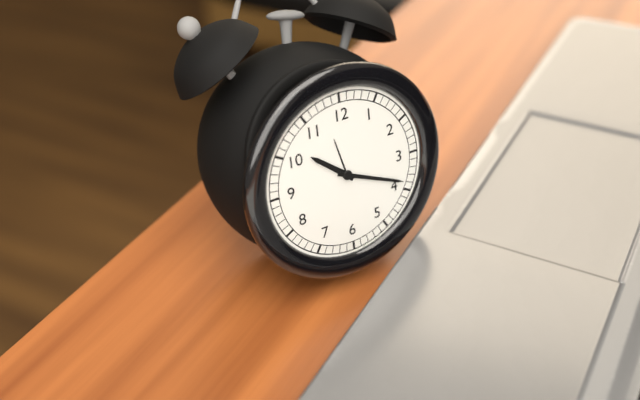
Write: {"hour": 10, "minute": 19}
